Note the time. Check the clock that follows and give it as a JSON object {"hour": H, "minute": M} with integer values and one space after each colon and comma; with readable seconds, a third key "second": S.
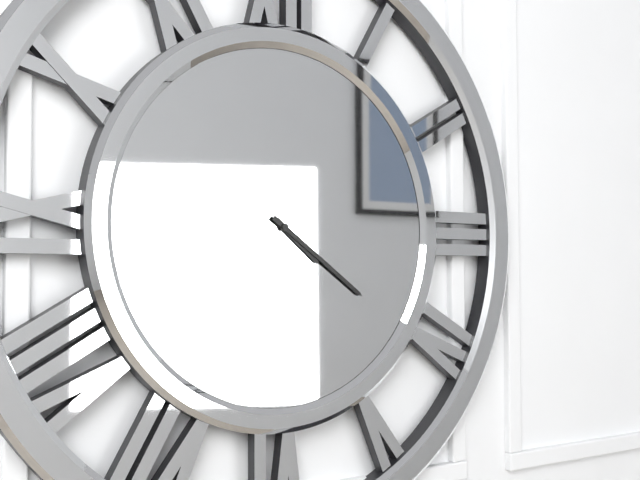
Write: {"hour": 4, "minute": 21}
